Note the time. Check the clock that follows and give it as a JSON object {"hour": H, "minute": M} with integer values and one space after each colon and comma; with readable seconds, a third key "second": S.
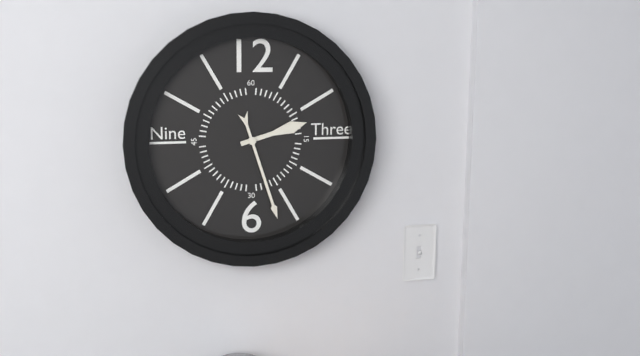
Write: {"hour": 2, "minute": 27}
